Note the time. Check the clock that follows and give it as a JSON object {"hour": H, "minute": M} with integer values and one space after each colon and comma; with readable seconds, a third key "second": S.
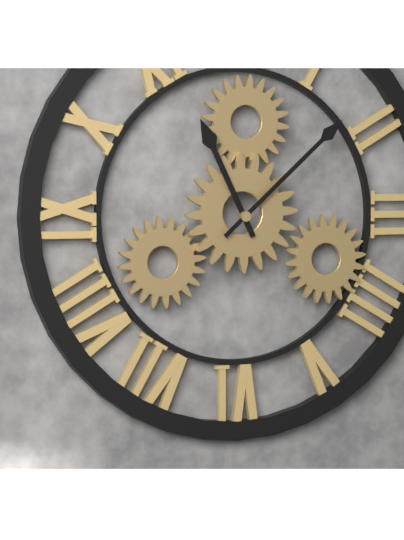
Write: {"hour": 11, "minute": 8}
